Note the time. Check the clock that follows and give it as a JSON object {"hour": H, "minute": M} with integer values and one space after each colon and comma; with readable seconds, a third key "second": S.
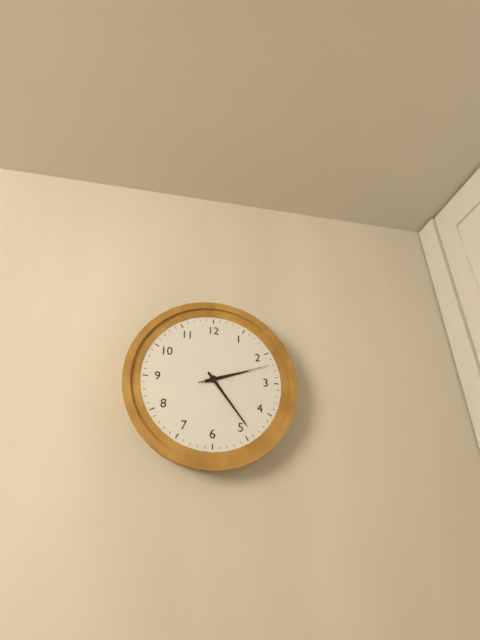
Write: {"hour": 2, "minute": 24, "second": 12}
